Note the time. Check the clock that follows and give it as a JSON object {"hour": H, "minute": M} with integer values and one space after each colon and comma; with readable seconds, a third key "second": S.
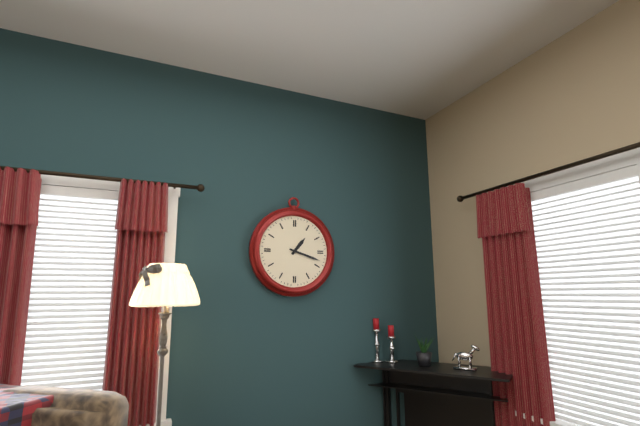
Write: {"hour": 1, "minute": 18}
